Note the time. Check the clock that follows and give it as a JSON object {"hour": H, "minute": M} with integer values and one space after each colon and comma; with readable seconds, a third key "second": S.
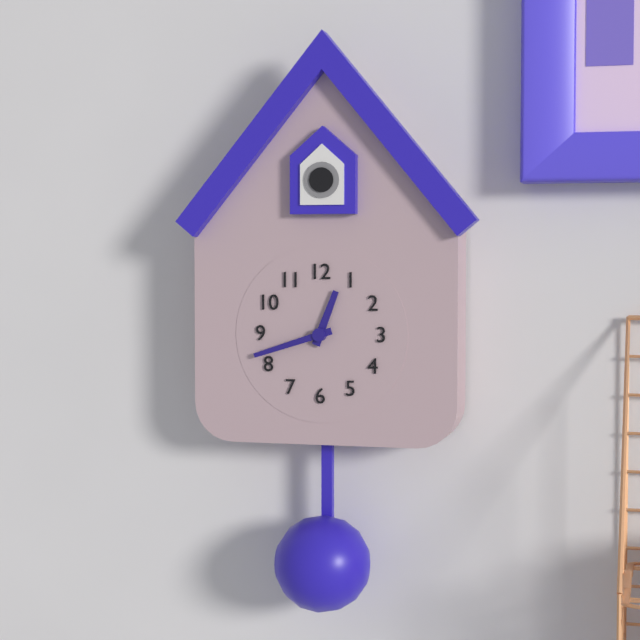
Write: {"hour": 12, "minute": 42}
